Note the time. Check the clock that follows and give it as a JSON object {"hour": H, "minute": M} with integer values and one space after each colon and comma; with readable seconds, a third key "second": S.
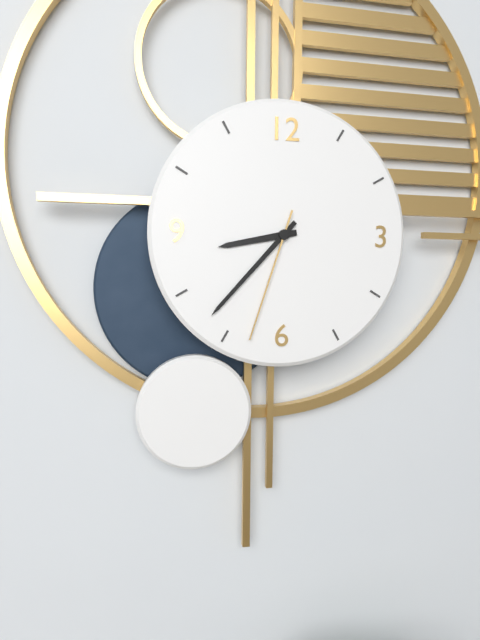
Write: {"hour": 8, "minute": 37, "second": 33}
